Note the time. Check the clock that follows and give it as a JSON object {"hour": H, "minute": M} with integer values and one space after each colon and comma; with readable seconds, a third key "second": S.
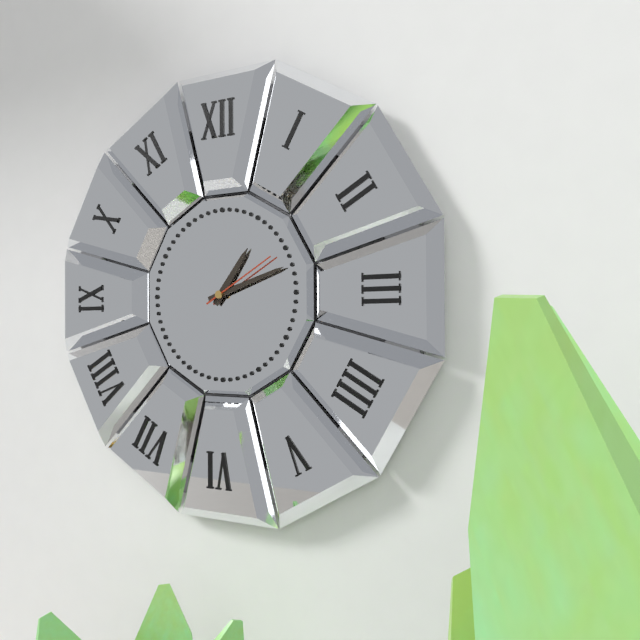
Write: {"hour": 1, "minute": 12, "second": 10}
